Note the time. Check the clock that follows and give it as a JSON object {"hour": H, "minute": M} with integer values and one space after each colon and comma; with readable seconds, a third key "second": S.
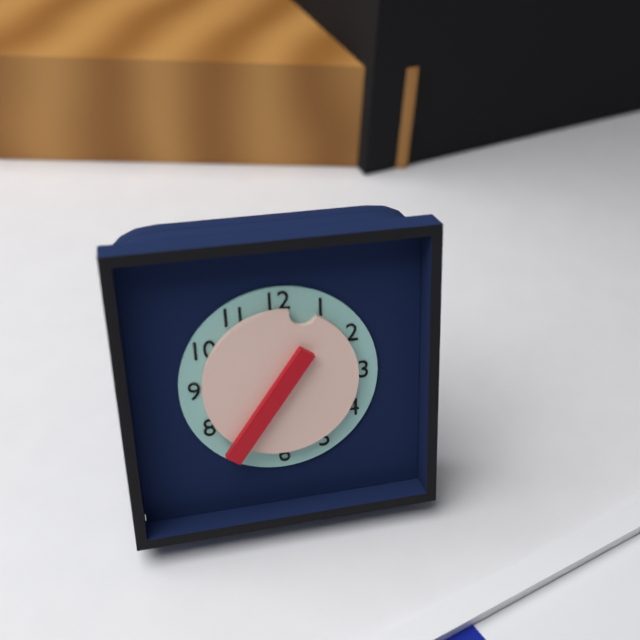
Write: {"hour": 12, "minute": 36}
